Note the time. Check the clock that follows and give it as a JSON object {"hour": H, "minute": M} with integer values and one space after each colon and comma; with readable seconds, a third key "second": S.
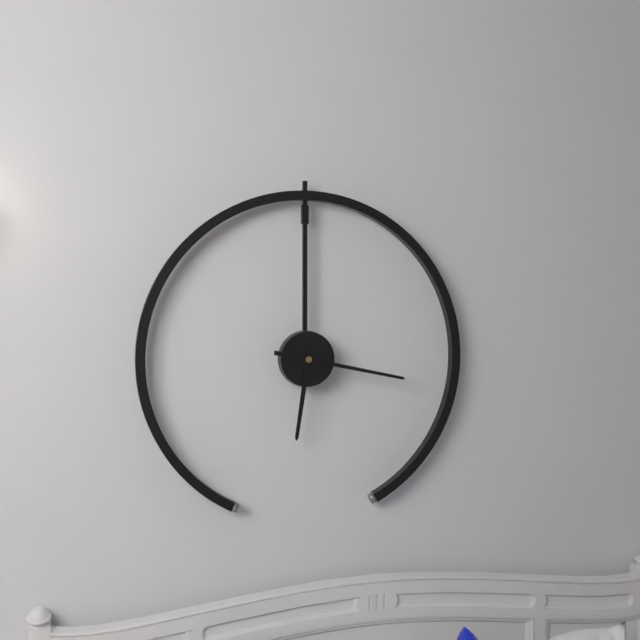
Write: {"hour": 6, "minute": 17}
